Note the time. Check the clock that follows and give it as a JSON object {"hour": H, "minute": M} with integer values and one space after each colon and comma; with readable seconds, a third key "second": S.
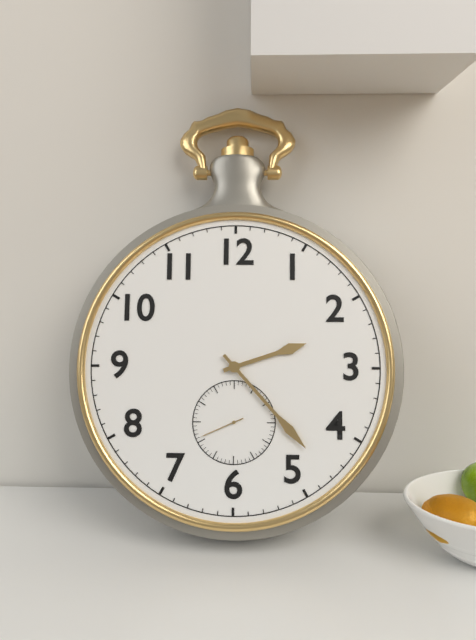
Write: {"hour": 2, "minute": 23}
